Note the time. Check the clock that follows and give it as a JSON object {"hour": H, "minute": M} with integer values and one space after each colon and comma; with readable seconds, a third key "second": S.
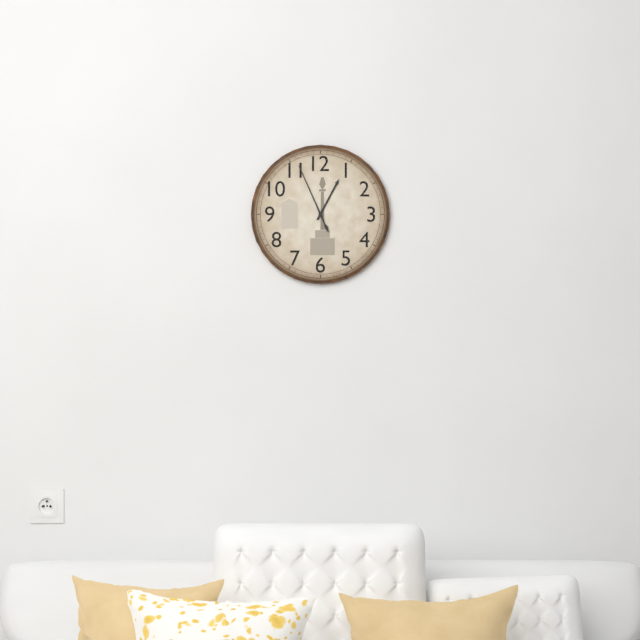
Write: {"hour": 12, "minute": 56}
